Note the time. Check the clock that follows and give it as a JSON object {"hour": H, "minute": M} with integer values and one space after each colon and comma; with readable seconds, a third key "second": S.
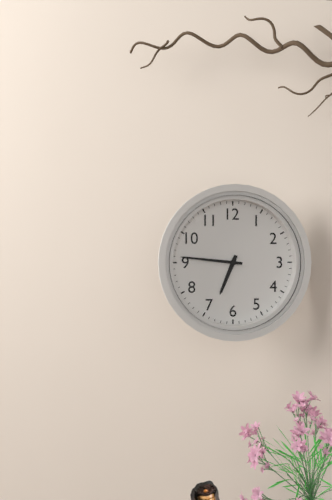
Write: {"hour": 6, "minute": 46}
